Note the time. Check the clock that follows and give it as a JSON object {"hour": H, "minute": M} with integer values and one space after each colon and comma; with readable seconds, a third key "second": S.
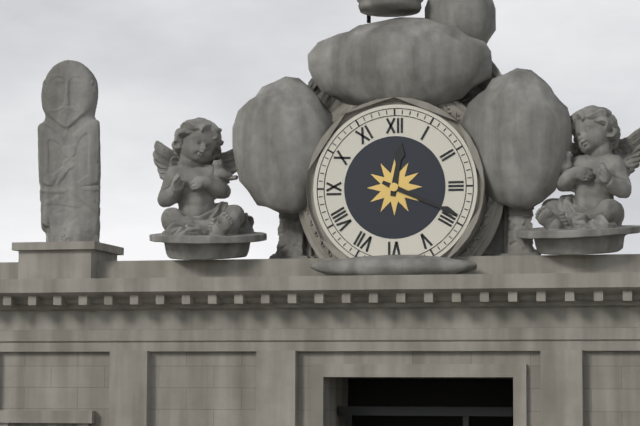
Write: {"hour": 12, "minute": 19}
